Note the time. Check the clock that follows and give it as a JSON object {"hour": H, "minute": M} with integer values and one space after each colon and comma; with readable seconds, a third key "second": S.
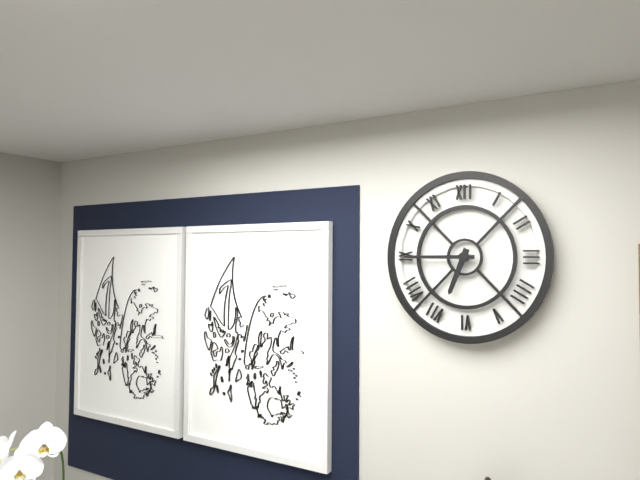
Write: {"hour": 6, "minute": 45}
